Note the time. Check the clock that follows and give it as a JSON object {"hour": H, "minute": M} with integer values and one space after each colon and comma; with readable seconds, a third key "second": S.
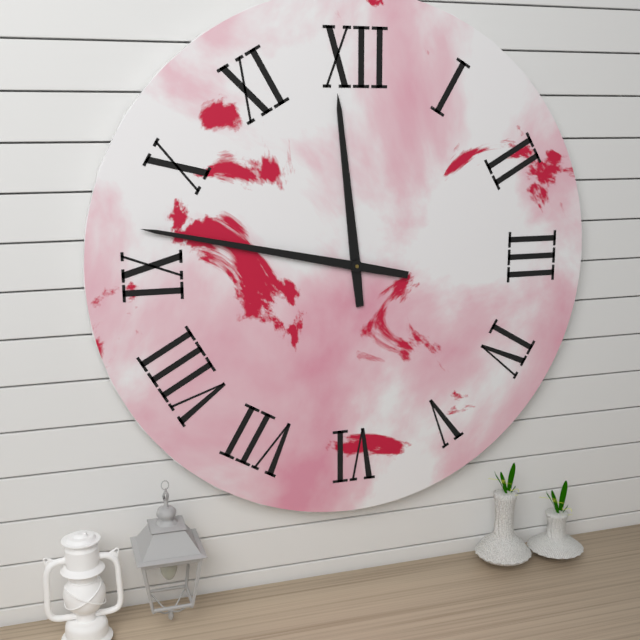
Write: {"hour": 11, "minute": 47}
